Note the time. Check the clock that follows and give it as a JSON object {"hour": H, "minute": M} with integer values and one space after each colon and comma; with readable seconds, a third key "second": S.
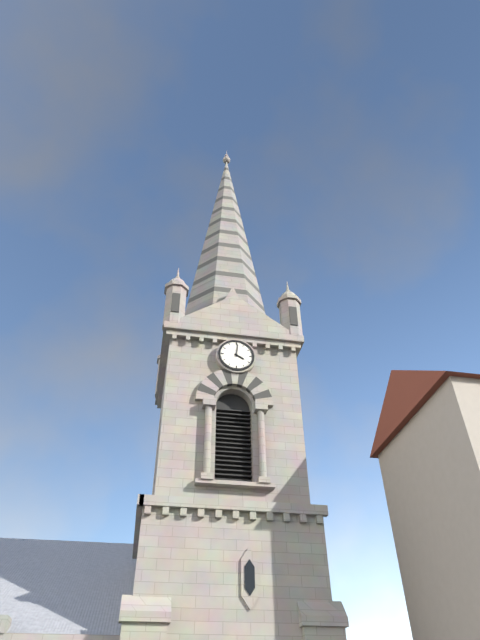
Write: {"hour": 4, "minute": 1}
